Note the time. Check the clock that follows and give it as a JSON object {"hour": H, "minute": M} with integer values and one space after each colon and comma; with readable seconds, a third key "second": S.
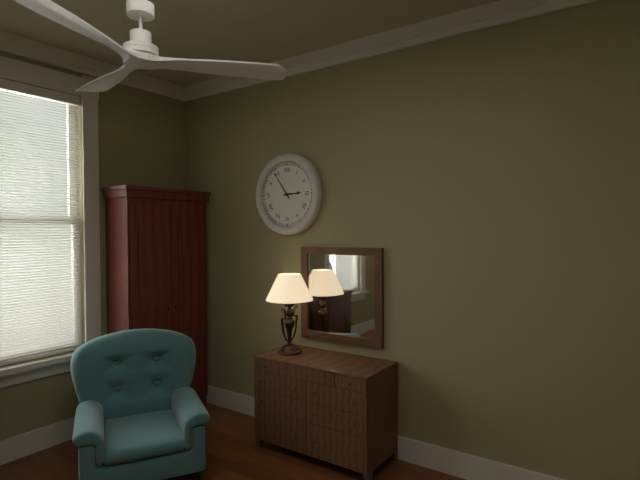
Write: {"hour": 2, "minute": 54}
